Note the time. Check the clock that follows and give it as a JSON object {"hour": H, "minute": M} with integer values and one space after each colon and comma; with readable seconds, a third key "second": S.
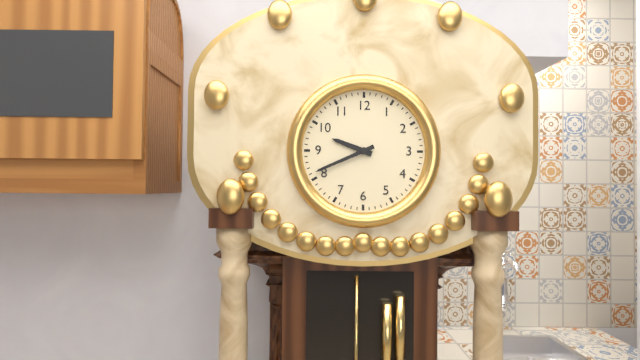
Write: {"hour": 9, "minute": 41}
